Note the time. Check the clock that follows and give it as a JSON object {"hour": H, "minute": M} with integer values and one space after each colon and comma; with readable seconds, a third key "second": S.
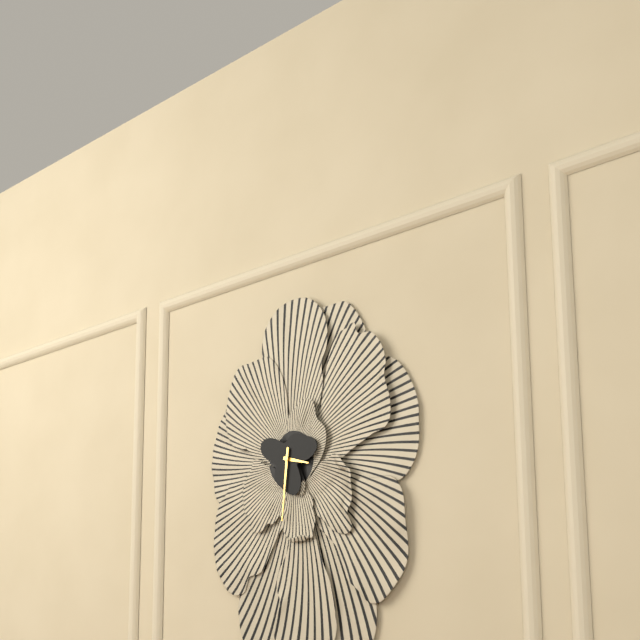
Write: {"hour": 3, "minute": 31}
